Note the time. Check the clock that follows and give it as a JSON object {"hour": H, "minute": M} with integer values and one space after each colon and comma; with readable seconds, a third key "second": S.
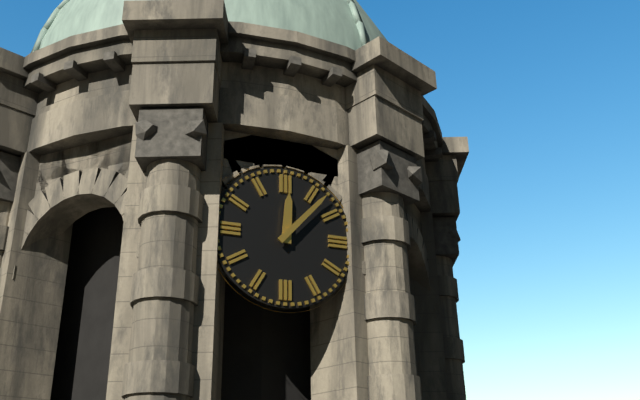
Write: {"hour": 12, "minute": 7}
